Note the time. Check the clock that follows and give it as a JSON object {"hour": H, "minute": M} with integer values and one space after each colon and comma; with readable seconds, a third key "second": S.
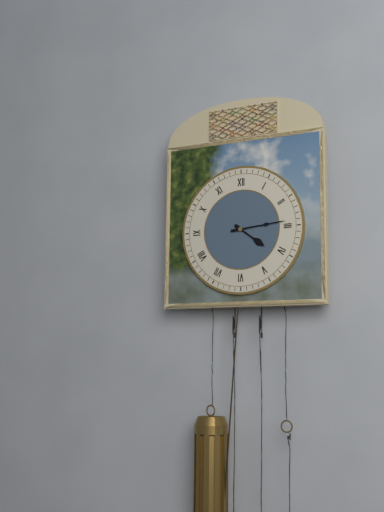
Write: {"hour": 4, "minute": 14}
